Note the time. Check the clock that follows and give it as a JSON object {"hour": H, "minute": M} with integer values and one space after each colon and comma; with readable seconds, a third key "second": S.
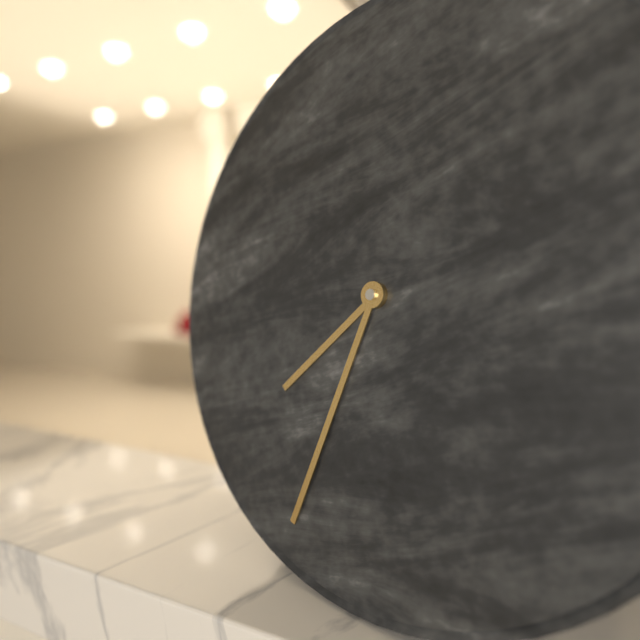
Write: {"hour": 7, "minute": 33}
